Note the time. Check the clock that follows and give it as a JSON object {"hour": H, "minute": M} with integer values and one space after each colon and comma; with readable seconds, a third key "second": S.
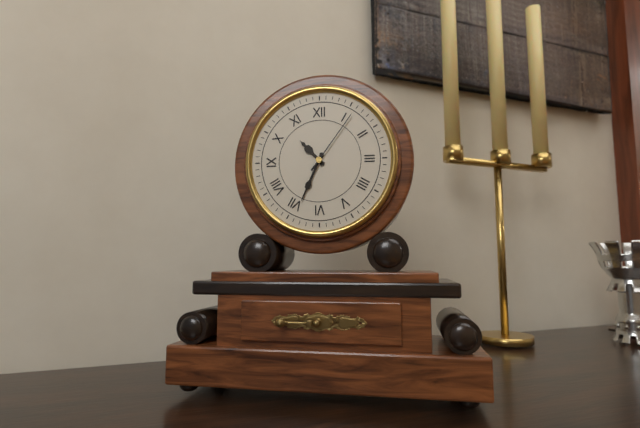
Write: {"hour": 10, "minute": 34, "second": 6}
